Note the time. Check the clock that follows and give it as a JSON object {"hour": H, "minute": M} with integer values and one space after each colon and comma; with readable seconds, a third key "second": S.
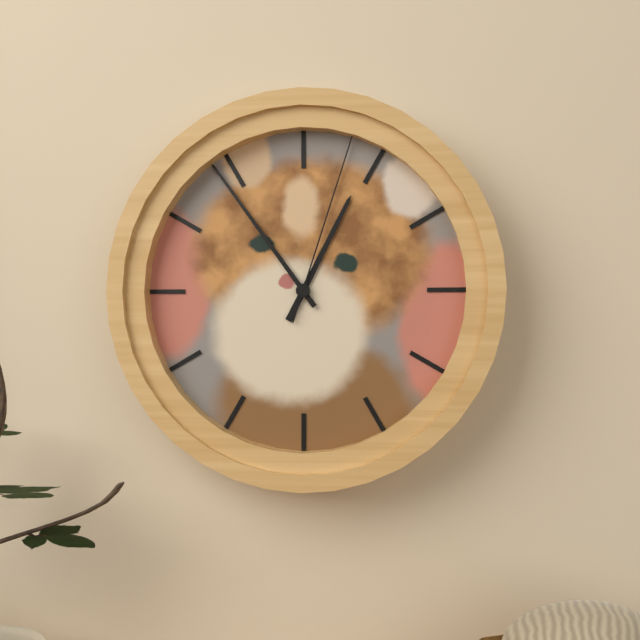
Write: {"hour": 12, "minute": 54, "second": 3}
